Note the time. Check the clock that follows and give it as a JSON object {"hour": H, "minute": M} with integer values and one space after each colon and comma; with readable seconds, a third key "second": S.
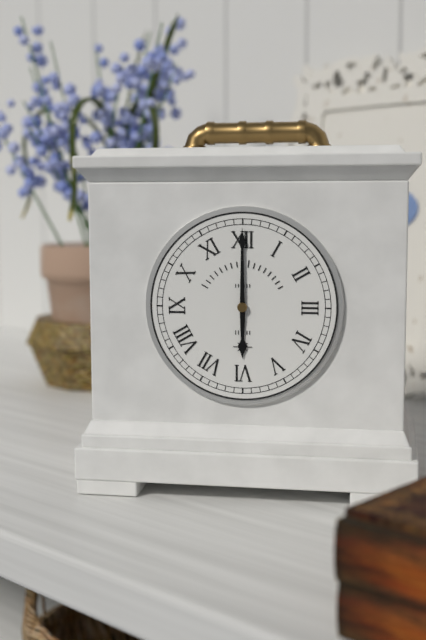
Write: {"hour": 6, "minute": 0}
